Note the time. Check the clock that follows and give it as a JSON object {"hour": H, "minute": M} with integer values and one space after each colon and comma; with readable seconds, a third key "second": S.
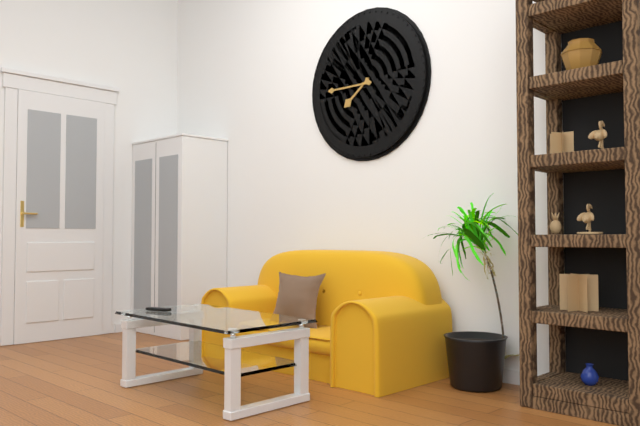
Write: {"hour": 7, "minute": 45}
